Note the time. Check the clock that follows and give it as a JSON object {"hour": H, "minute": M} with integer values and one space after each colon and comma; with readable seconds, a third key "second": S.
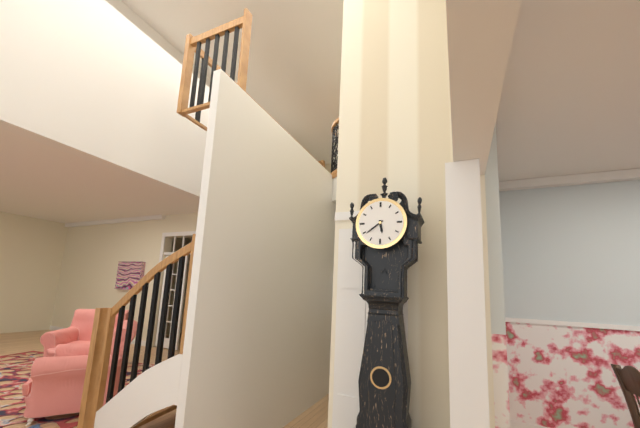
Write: {"hour": 5, "minute": 39}
